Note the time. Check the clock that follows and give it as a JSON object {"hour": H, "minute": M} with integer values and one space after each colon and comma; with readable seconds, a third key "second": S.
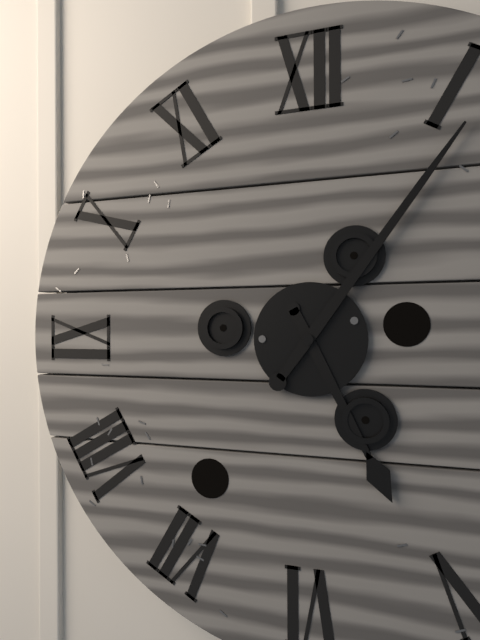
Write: {"hour": 5, "minute": 6}
